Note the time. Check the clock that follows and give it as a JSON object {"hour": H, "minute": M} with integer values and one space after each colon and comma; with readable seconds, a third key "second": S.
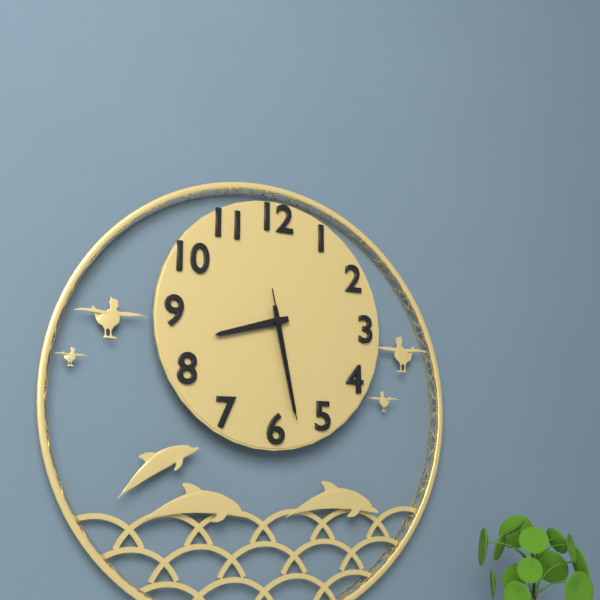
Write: {"hour": 8, "minute": 28, "second": 28}
